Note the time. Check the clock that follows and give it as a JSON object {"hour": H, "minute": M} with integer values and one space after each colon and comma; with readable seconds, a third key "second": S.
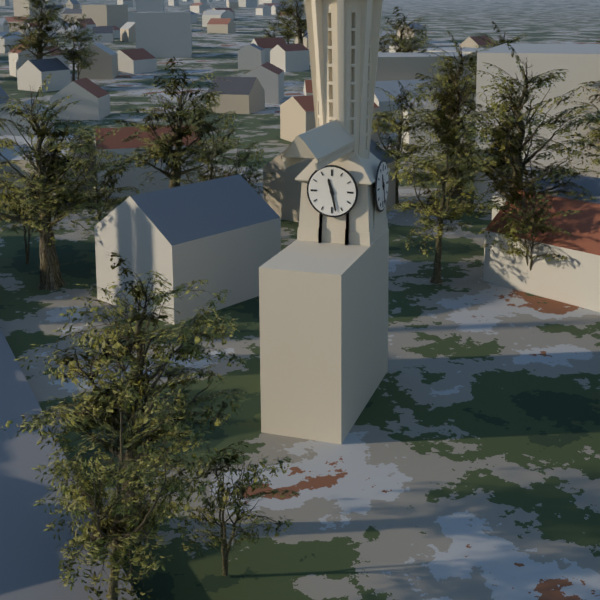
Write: {"hour": 11, "minute": 28}
